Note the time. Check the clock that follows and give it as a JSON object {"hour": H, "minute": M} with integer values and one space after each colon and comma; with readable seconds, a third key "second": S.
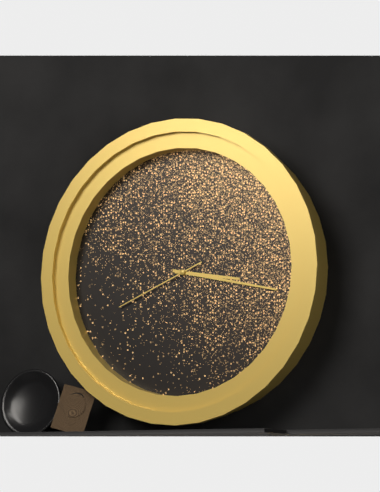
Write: {"hour": 3, "minute": 17, "second": 41}
